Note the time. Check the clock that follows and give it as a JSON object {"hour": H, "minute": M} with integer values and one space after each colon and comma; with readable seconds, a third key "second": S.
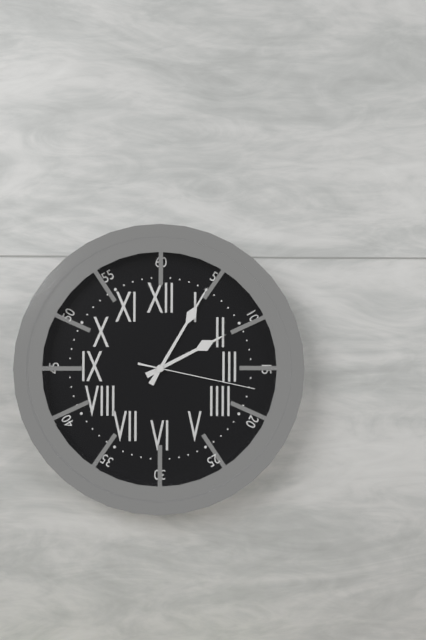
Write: {"hour": 2, "minute": 5, "second": 17}
